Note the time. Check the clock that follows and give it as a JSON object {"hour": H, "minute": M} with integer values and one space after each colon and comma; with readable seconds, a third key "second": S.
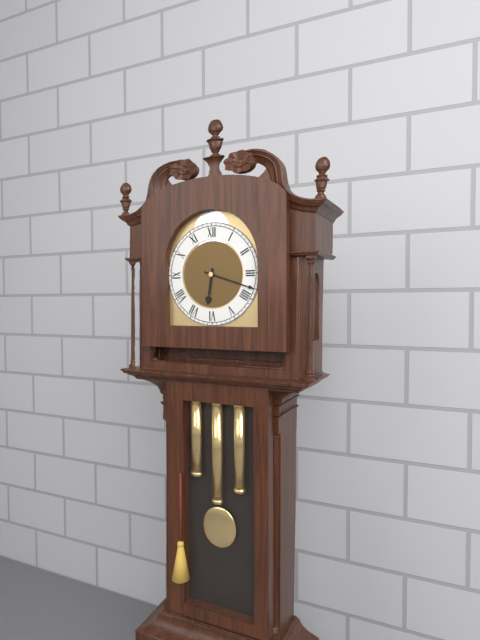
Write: {"hour": 6, "minute": 18}
